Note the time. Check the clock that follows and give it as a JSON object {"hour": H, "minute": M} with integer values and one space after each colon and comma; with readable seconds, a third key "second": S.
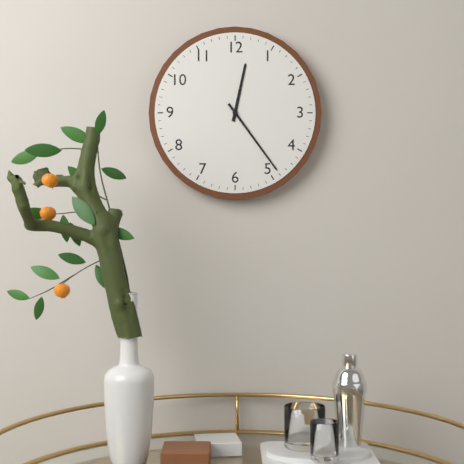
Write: {"hour": 12, "minute": 24}
